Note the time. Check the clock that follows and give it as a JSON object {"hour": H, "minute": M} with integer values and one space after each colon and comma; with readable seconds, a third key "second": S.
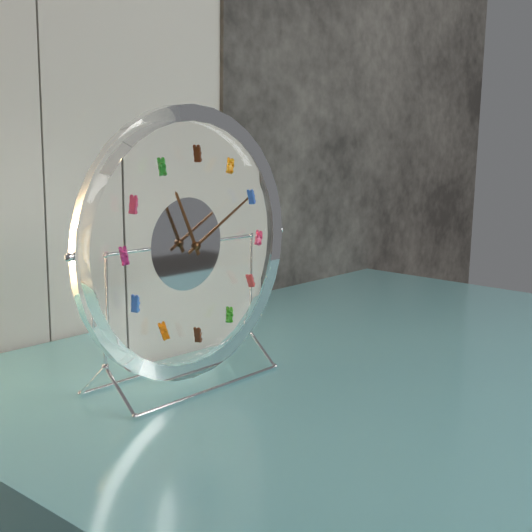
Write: {"hour": 11, "minute": 10}
